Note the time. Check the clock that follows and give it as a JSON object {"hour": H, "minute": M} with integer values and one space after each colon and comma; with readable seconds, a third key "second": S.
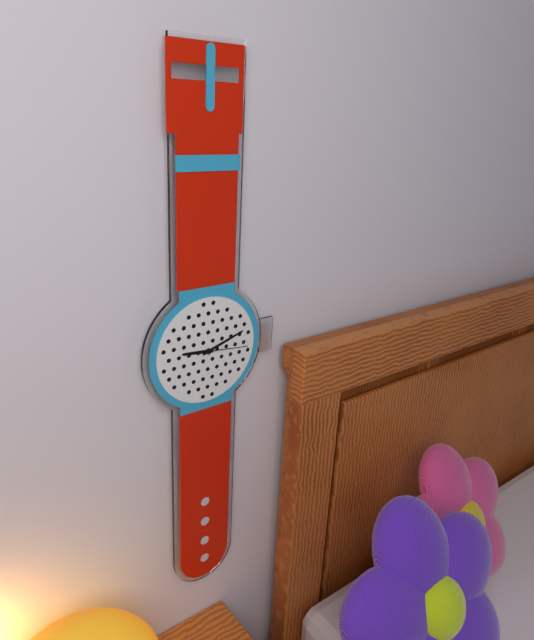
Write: {"hour": 9, "minute": 12, "second": 16}
